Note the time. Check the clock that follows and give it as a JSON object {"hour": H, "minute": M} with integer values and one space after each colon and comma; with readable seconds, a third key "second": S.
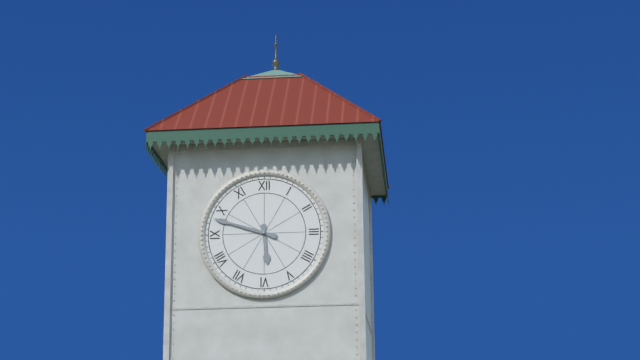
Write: {"hour": 5, "minute": 48}
